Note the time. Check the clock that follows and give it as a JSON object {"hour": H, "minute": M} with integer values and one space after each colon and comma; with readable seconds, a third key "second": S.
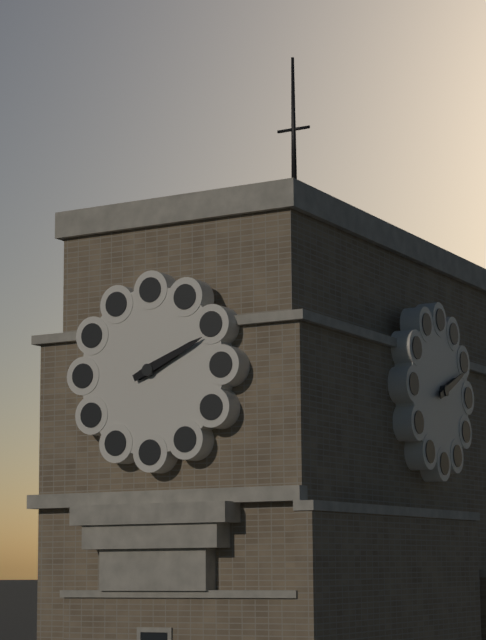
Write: {"hour": 2, "minute": 11}
